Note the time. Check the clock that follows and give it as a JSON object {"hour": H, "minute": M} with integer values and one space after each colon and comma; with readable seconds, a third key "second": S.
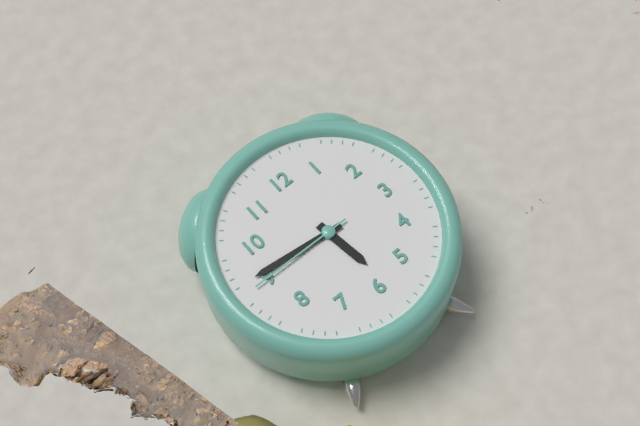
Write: {"hour": 5, "minute": 46, "second": 45}
